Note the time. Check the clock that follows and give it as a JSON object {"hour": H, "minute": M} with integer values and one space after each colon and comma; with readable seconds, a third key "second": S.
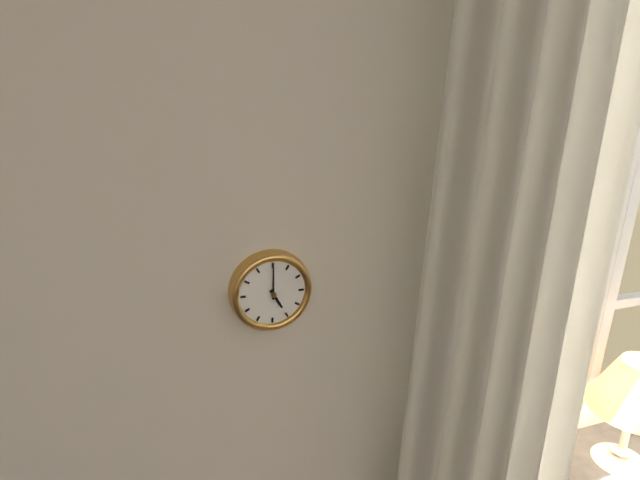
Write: {"hour": 5, "minute": 0}
